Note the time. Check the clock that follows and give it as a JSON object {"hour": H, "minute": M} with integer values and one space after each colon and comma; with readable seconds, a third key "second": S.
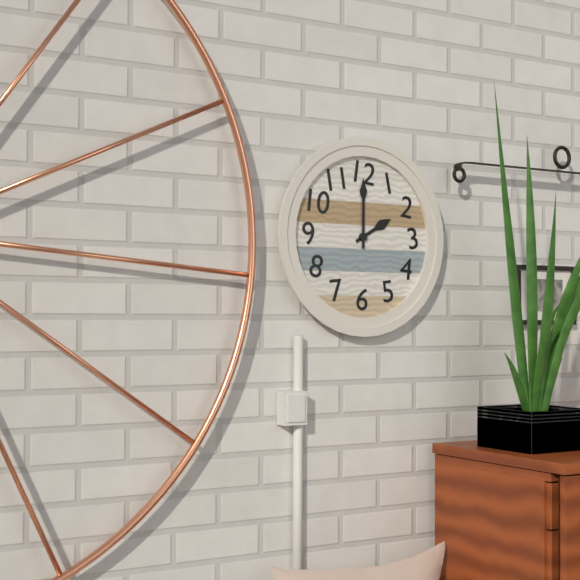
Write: {"hour": 2, "minute": 0}
